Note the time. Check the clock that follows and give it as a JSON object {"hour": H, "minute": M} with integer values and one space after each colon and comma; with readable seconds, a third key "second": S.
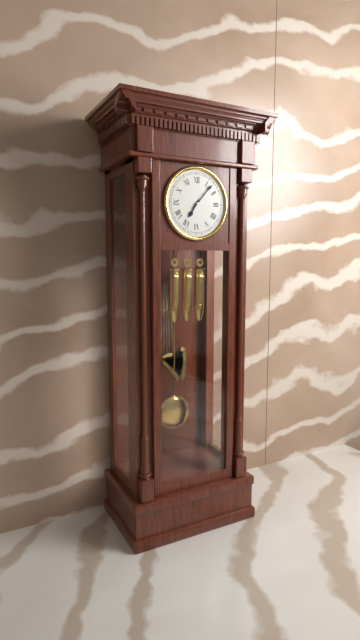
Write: {"hour": 7, "minute": 7}
